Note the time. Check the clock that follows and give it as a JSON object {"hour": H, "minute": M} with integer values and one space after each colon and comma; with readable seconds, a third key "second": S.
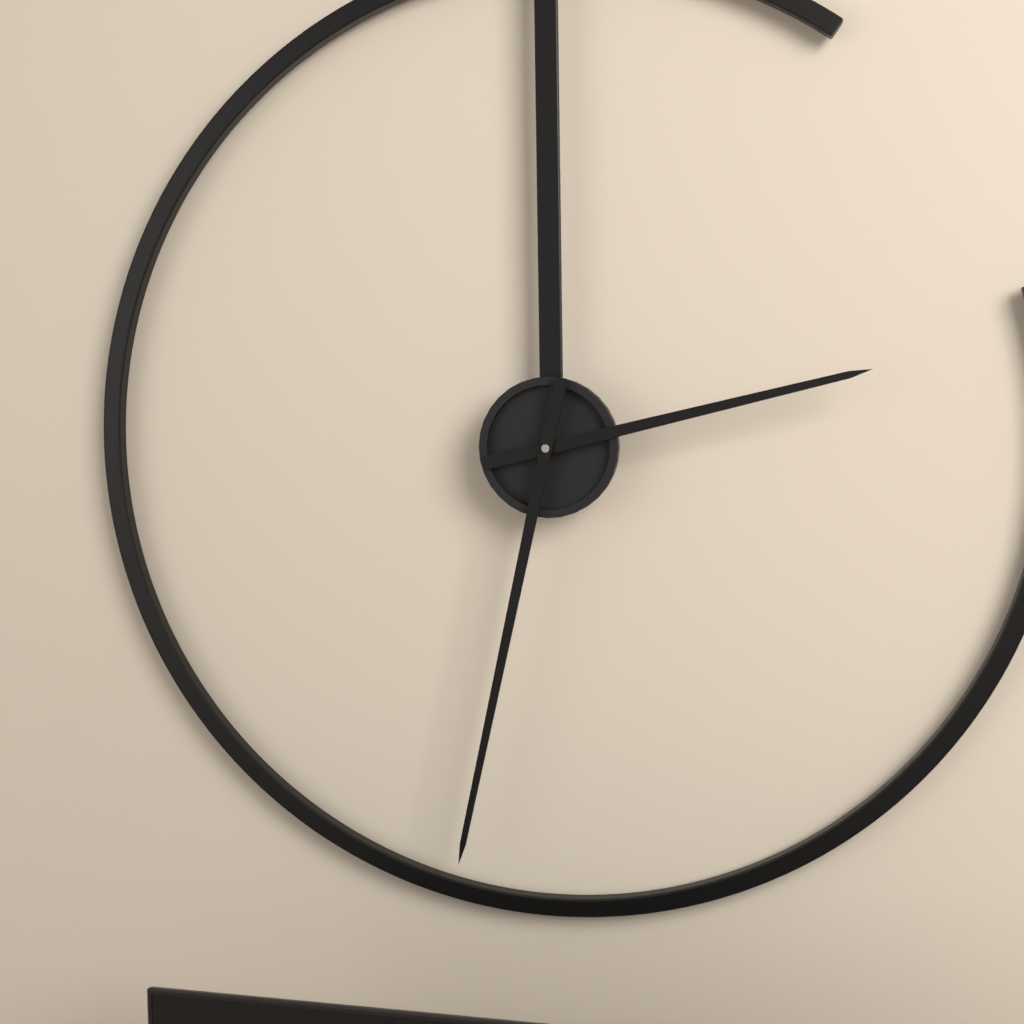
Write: {"hour": 2, "minute": 32}
